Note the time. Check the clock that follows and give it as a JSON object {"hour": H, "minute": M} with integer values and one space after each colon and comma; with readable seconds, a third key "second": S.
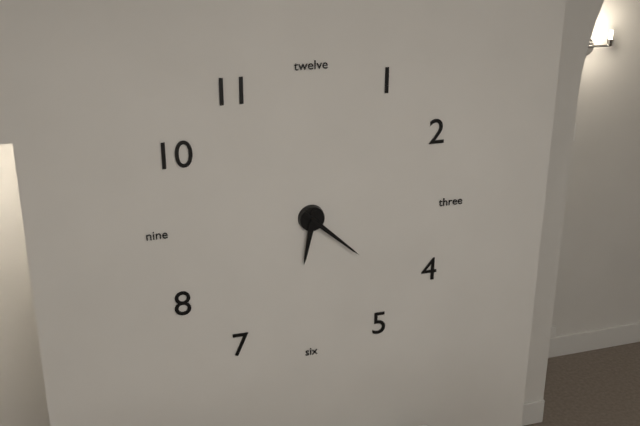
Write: {"hour": 6, "minute": 22}
